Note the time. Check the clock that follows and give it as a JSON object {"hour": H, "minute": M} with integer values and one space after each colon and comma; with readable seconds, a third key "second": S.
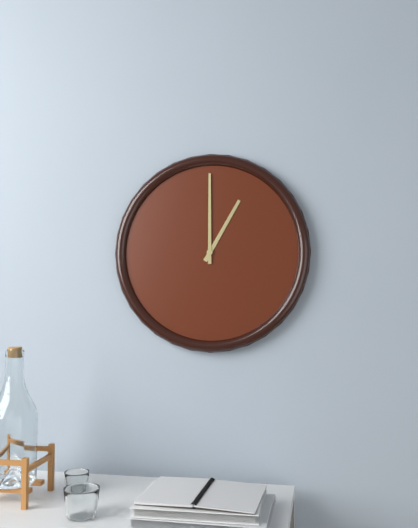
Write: {"hour": 1, "minute": 0}
